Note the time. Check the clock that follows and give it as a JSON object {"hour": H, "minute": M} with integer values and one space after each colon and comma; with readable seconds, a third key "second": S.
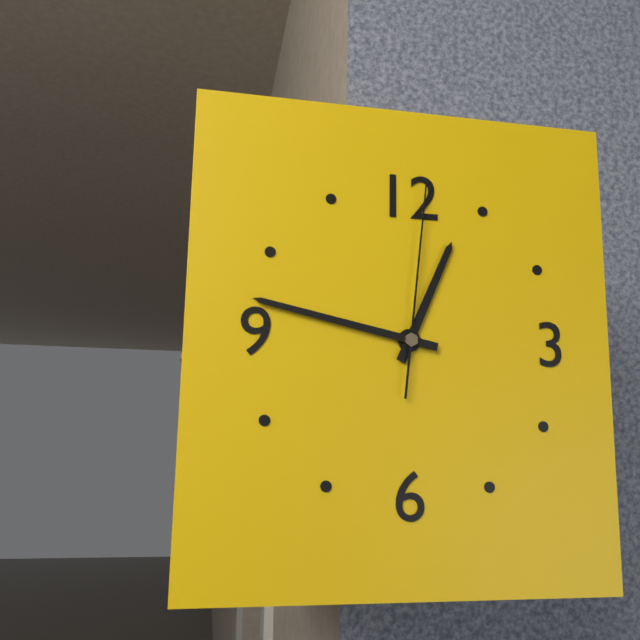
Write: {"hour": 12, "minute": 47, "second": 1}
